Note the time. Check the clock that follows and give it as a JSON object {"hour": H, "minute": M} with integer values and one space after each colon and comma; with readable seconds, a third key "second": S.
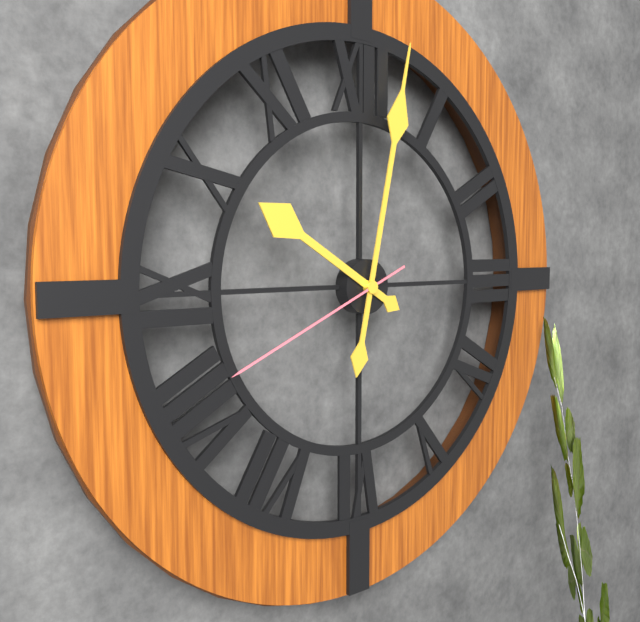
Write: {"hour": 10, "minute": 2, "second": 41}
